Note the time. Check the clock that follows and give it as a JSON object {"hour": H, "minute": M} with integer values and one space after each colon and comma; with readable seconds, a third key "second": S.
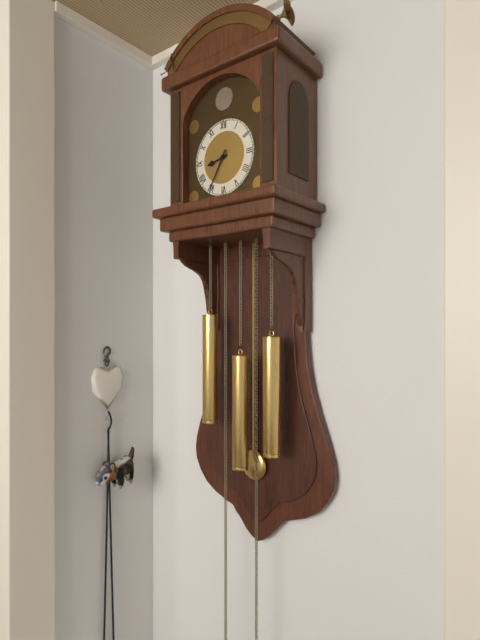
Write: {"hour": 8, "minute": 35}
